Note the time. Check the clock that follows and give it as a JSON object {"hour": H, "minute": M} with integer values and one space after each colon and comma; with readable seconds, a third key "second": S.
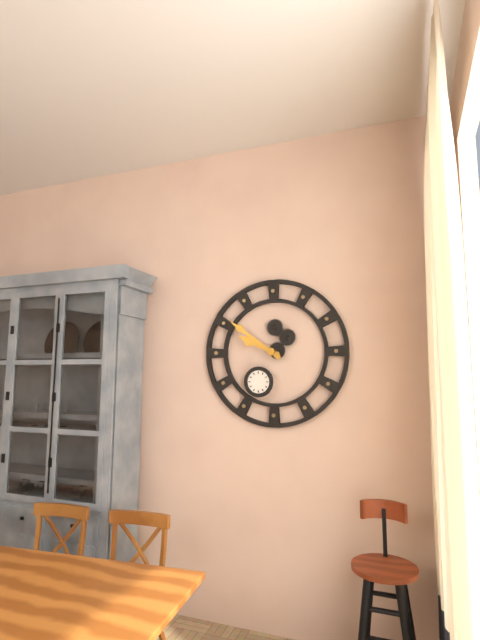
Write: {"hour": 9, "minute": 51}
